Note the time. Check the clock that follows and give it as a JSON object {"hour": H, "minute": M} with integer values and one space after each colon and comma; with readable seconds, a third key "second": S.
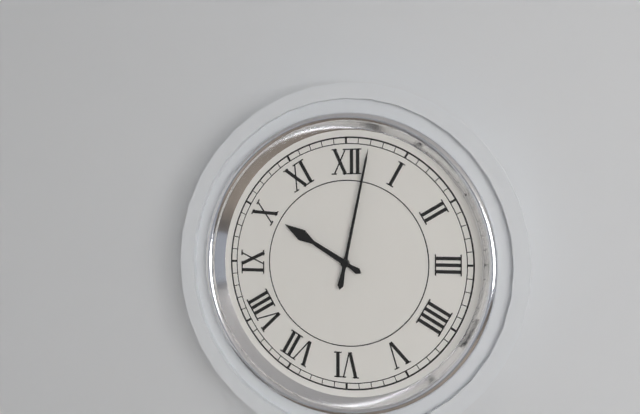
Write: {"hour": 10, "minute": 2}
